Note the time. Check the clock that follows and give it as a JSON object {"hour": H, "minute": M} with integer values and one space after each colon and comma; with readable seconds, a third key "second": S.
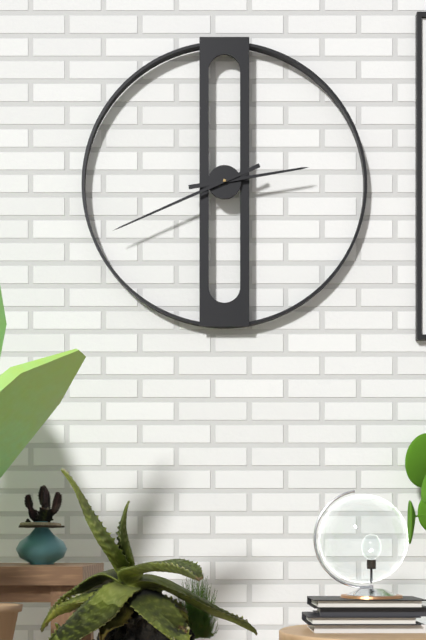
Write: {"hour": 2, "minute": 41}
